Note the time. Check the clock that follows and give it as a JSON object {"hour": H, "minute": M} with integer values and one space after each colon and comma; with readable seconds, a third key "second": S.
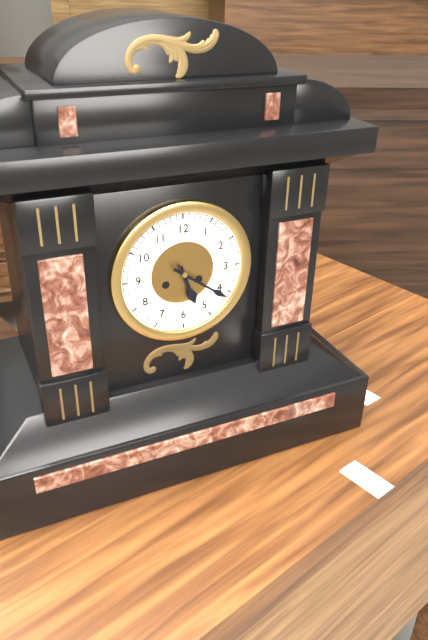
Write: {"hour": 5, "minute": 21}
